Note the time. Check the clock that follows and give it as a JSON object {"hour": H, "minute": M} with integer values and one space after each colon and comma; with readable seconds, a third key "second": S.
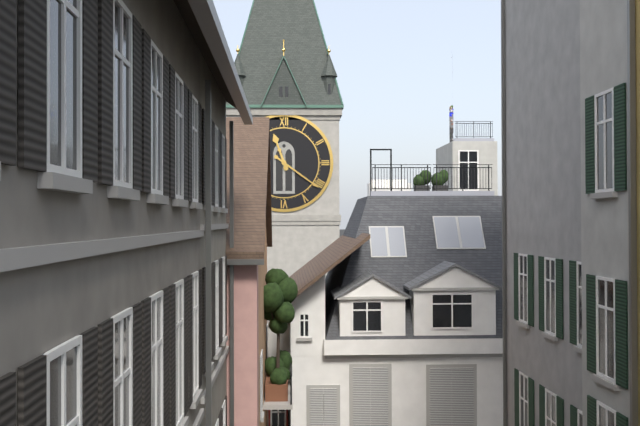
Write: {"hour": 11, "minute": 21}
